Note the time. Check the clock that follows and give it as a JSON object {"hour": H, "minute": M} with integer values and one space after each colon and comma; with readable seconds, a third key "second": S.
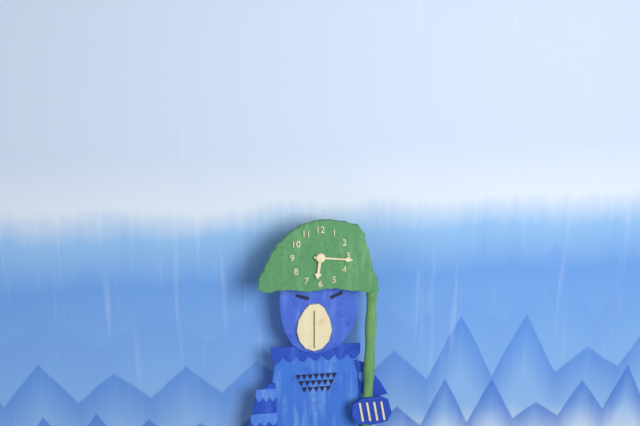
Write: {"hour": 6, "minute": 16}
